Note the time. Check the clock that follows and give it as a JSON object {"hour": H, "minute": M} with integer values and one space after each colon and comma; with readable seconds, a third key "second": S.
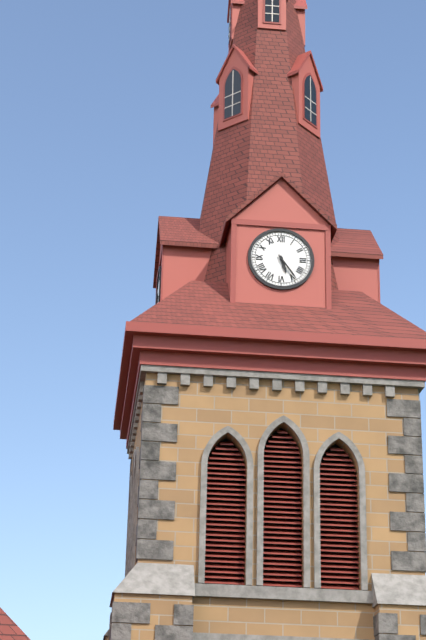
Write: {"hour": 5, "minute": 24}
